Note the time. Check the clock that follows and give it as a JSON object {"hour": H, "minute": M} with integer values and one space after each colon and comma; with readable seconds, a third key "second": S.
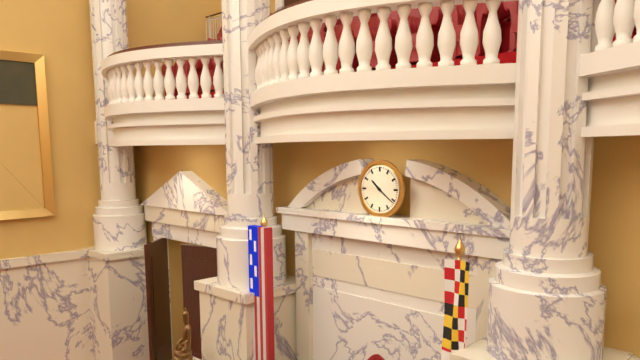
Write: {"hour": 10, "minute": 21}
